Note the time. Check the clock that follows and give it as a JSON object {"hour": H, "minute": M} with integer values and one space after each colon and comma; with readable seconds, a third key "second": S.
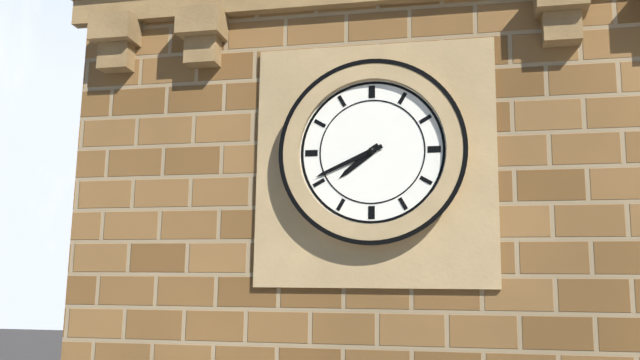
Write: {"hour": 7, "minute": 41}
